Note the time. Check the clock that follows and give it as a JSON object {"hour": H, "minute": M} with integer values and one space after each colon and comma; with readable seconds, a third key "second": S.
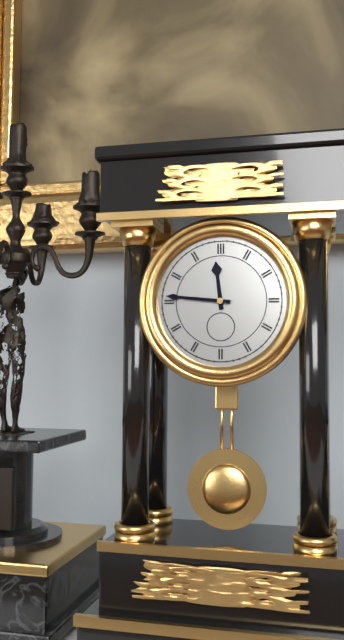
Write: {"hour": 11, "minute": 46}
